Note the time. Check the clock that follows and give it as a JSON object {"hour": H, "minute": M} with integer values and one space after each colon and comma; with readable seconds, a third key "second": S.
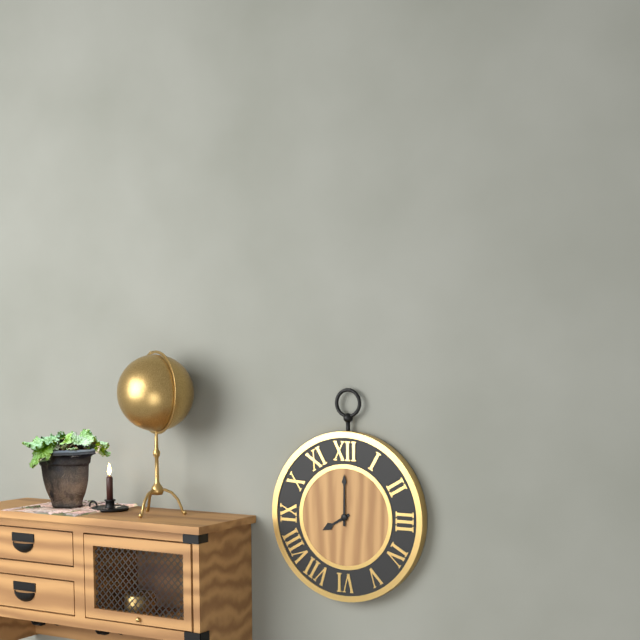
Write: {"hour": 8, "minute": 0}
